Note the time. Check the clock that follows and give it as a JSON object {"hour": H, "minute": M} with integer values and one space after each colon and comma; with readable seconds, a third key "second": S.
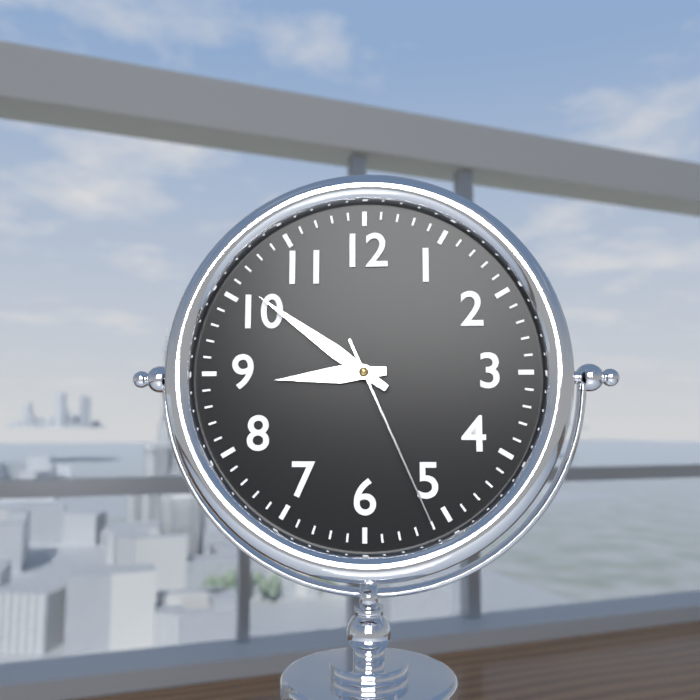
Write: {"hour": 8, "minute": 51, "second": 26}
